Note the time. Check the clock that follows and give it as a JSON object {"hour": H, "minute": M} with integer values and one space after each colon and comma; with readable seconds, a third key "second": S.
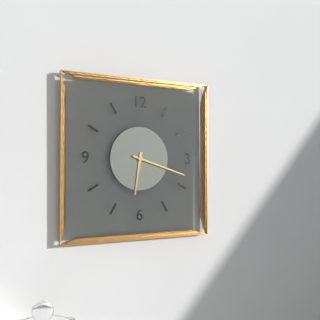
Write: {"hour": 6, "minute": 18}
